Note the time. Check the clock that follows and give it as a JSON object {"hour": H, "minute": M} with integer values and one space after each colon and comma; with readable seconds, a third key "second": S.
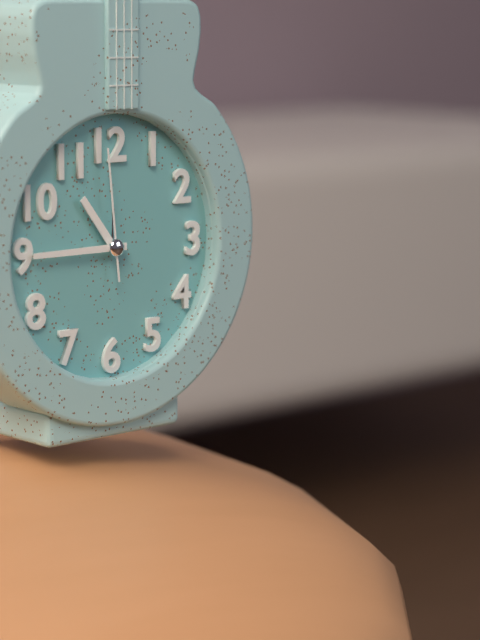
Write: {"hour": 10, "minute": 45, "second": 59}
